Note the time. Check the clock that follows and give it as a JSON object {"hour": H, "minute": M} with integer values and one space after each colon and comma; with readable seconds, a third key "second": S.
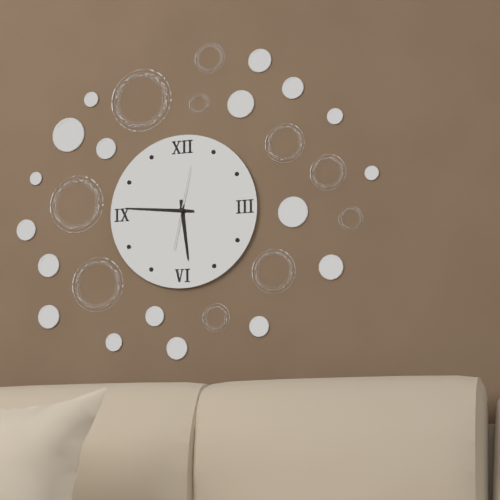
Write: {"hour": 5, "minute": 46, "second": 2}
